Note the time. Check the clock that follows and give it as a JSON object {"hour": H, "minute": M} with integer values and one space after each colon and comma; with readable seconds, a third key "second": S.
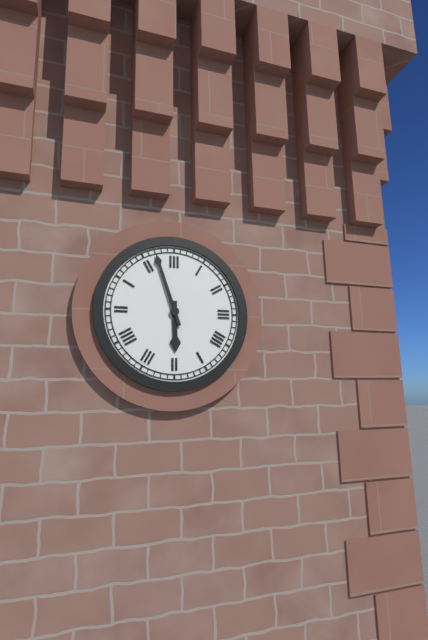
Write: {"hour": 5, "minute": 57}
